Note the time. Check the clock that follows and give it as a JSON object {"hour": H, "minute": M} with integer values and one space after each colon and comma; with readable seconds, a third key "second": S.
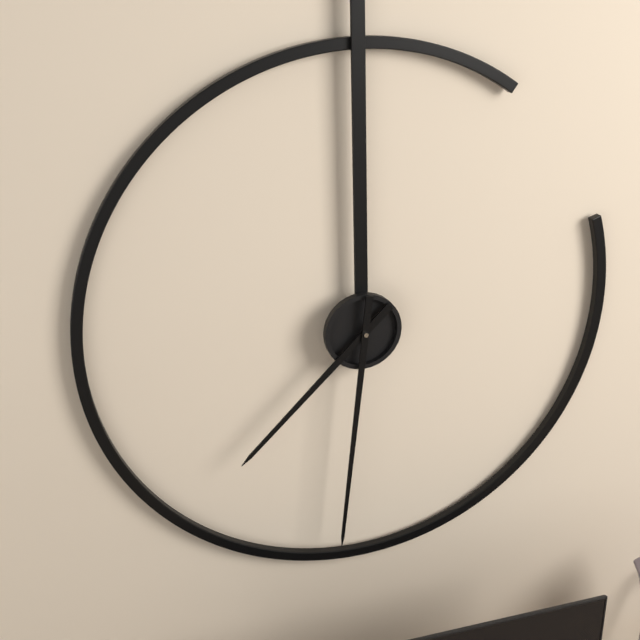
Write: {"hour": 7, "minute": 31}
